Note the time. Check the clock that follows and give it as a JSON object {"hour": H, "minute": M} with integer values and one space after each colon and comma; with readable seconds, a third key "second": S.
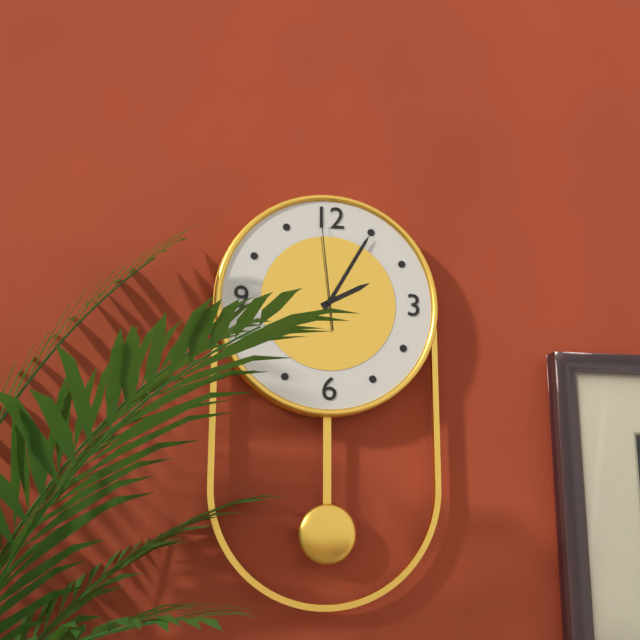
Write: {"hour": 2, "minute": 5, "second": 59}
